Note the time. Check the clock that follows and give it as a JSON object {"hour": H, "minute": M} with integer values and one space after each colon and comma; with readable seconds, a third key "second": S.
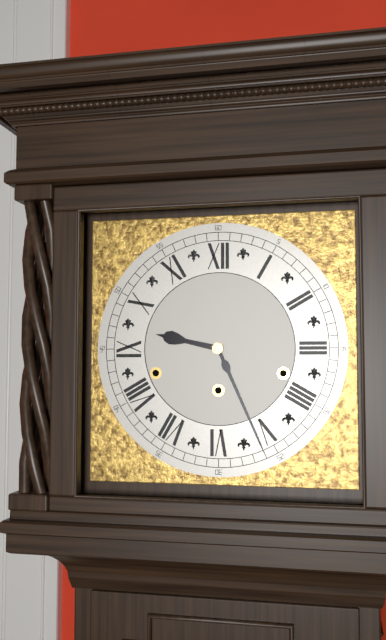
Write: {"hour": 9, "minute": 26}
